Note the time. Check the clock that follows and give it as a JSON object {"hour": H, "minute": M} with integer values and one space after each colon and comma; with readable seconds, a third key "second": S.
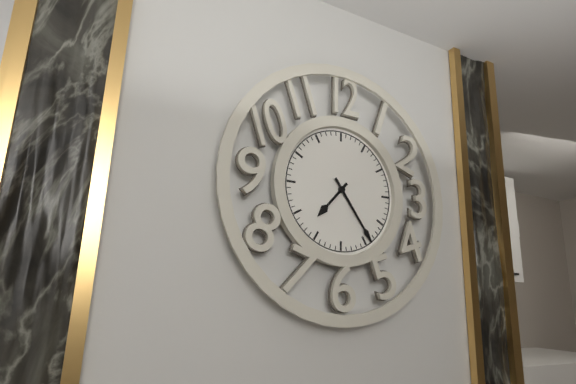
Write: {"hour": 7, "minute": 24}
